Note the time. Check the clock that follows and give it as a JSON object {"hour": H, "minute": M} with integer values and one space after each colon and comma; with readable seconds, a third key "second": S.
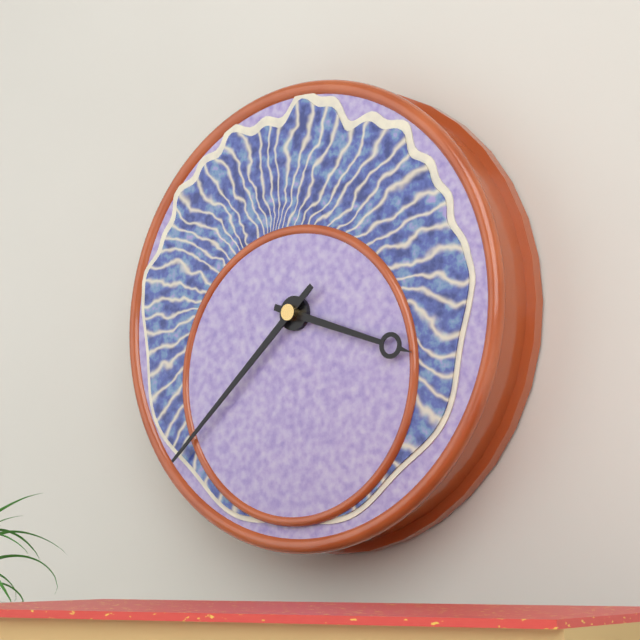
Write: {"hour": 3, "minute": 38}
